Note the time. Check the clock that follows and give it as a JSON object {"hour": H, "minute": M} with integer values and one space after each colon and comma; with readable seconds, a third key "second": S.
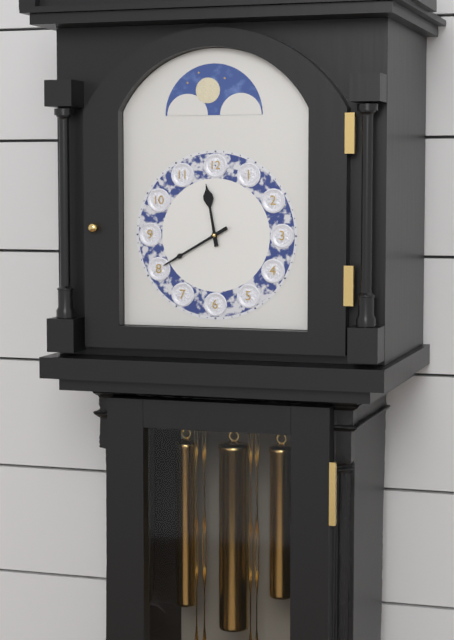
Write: {"hour": 11, "minute": 40}
